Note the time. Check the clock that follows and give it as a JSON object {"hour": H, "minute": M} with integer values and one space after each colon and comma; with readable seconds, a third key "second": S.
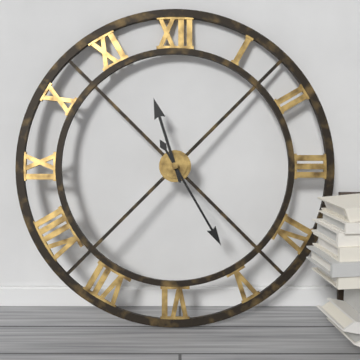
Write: {"hour": 11, "minute": 25}
